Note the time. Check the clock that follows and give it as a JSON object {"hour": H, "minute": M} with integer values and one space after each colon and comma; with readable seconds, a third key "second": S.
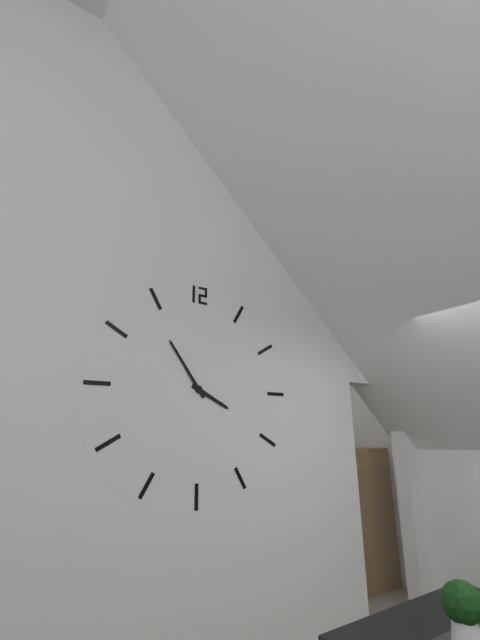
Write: {"hour": 3, "minute": 54}
